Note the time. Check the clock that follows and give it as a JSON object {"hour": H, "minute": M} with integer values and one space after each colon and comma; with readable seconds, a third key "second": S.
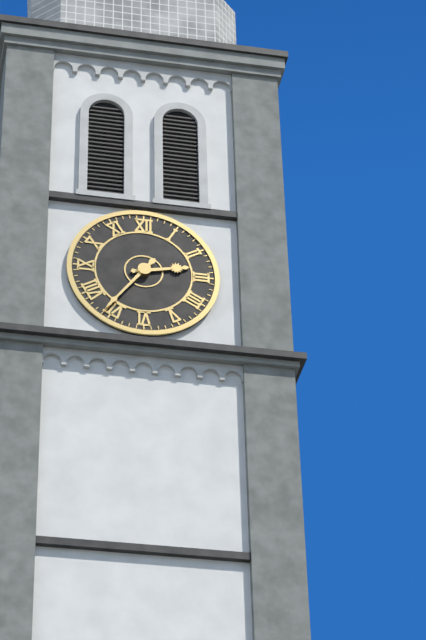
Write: {"hour": 2, "minute": 36}
